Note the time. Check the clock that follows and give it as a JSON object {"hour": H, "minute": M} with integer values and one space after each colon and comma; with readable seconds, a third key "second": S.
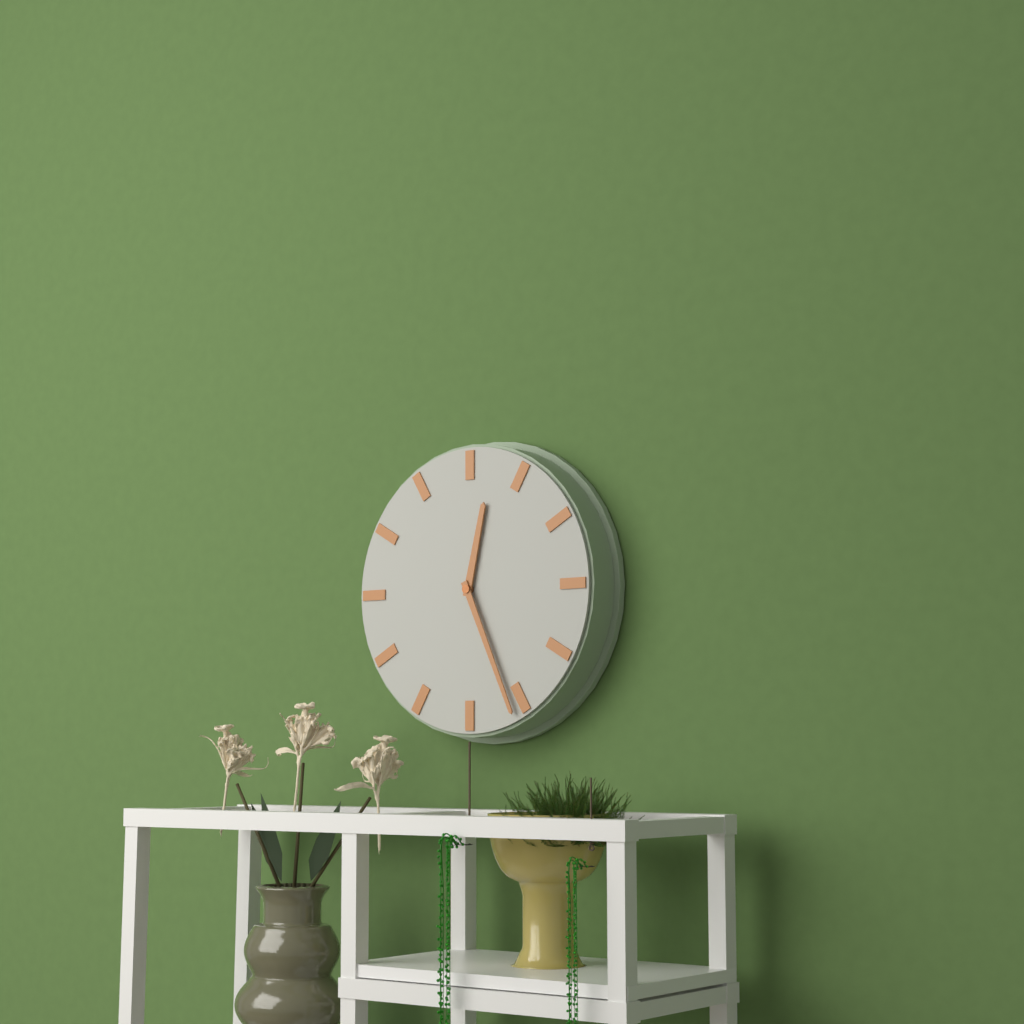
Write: {"hour": 12, "minute": 26}
